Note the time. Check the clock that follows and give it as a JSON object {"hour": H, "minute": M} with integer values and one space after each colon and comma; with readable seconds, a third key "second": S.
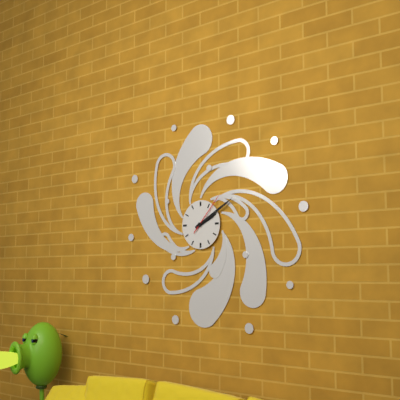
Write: {"hour": 2, "minute": 10}
